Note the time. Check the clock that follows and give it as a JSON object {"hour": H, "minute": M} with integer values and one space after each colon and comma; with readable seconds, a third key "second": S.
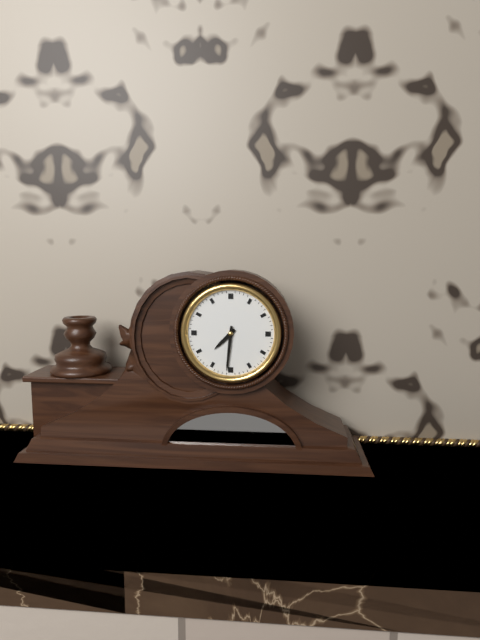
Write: {"hour": 7, "minute": 31}
